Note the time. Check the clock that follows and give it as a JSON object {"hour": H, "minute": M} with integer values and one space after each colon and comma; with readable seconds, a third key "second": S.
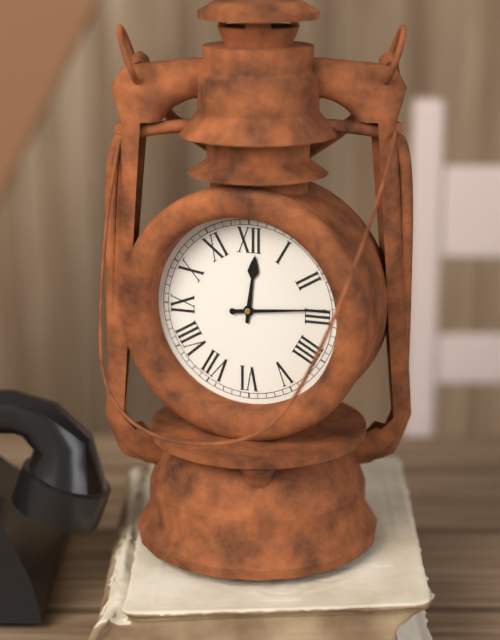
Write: {"hour": 12, "minute": 14}
